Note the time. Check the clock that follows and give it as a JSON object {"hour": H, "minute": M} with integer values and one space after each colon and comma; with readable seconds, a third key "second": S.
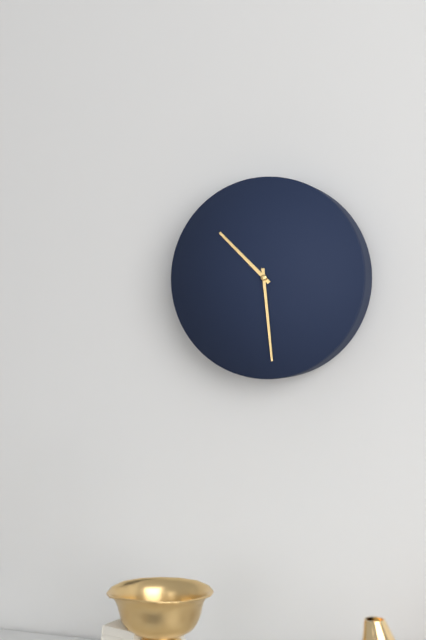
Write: {"hour": 10, "minute": 29}
